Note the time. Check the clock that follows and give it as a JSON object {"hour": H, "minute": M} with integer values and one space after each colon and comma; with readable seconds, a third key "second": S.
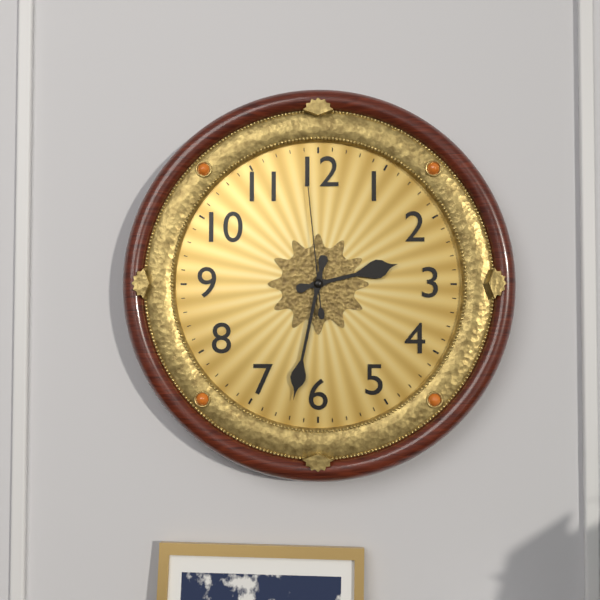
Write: {"hour": 2, "minute": 32, "second": 59}
